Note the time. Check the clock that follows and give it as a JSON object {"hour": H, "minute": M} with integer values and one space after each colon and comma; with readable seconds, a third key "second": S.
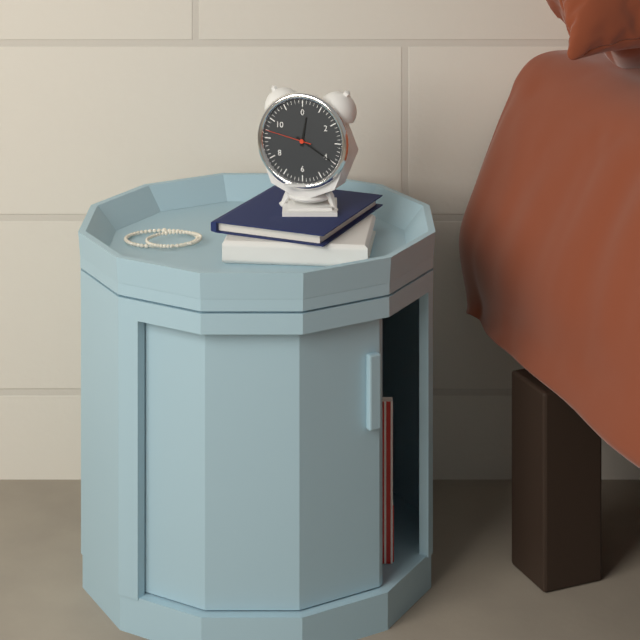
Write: {"hour": 12, "minute": 20}
